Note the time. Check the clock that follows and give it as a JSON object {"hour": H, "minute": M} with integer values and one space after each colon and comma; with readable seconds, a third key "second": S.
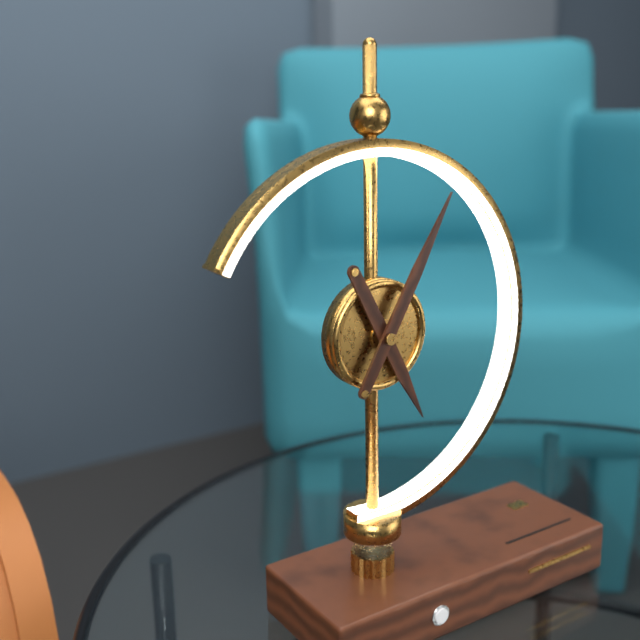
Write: {"hour": 5, "minute": 5}
